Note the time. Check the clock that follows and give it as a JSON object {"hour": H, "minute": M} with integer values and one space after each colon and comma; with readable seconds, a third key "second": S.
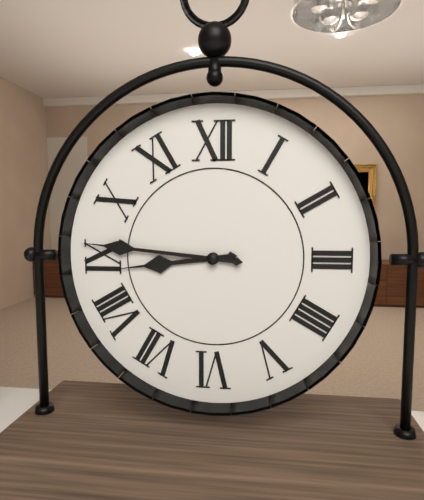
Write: {"hour": 8, "minute": 46}
